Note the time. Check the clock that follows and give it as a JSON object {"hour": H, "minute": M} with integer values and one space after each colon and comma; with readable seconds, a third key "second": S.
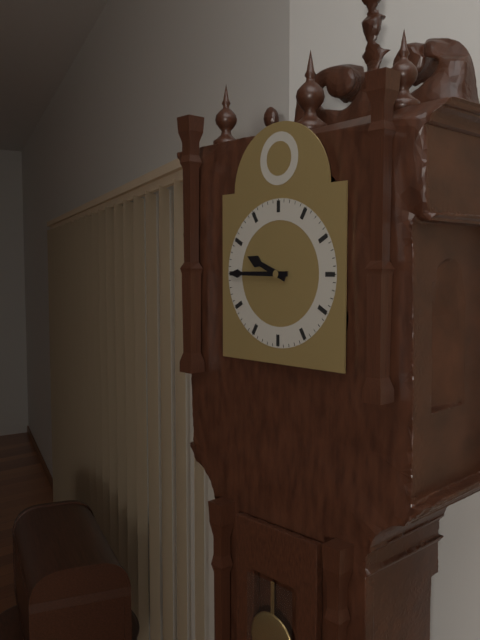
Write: {"hour": 9, "minute": 45}
